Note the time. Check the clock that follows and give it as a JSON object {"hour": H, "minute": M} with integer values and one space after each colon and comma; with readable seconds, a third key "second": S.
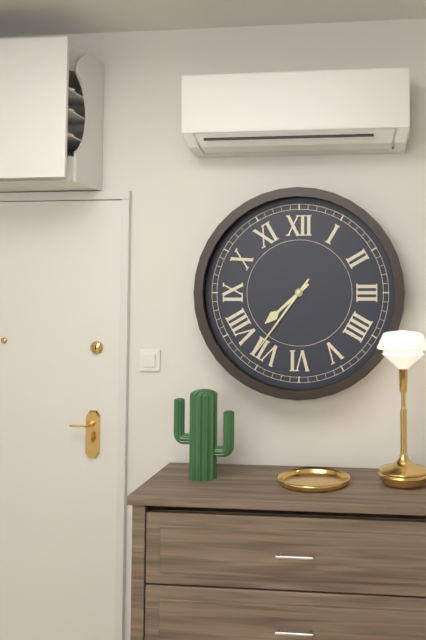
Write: {"hour": 7, "minute": 36}
